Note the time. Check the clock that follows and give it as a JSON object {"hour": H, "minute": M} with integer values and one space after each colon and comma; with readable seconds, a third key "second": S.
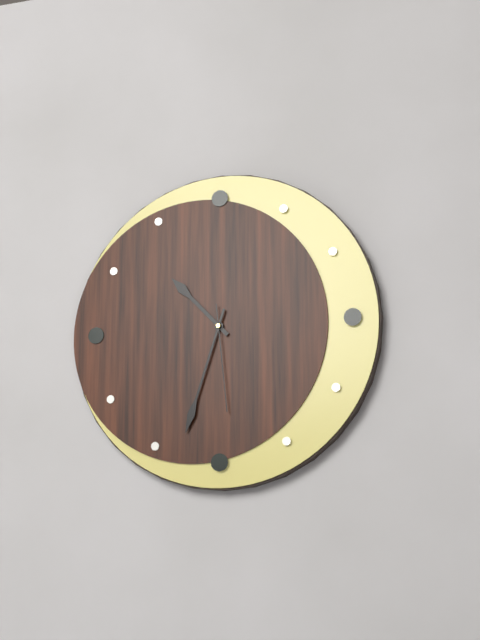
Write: {"hour": 10, "minute": 33, "second": 29}
